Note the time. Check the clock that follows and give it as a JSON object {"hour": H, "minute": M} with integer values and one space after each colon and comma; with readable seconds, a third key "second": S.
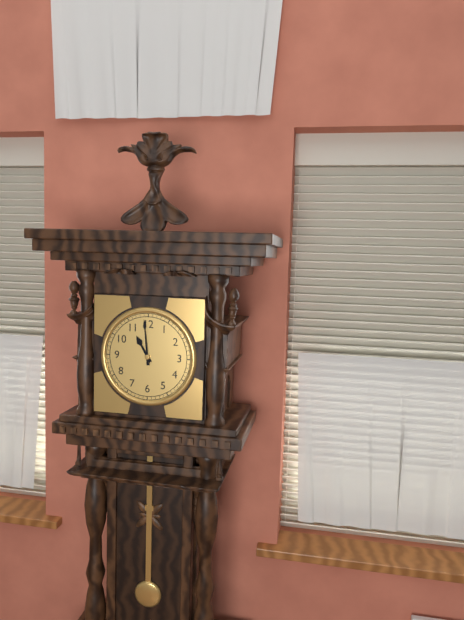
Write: {"hour": 10, "minute": 59}
